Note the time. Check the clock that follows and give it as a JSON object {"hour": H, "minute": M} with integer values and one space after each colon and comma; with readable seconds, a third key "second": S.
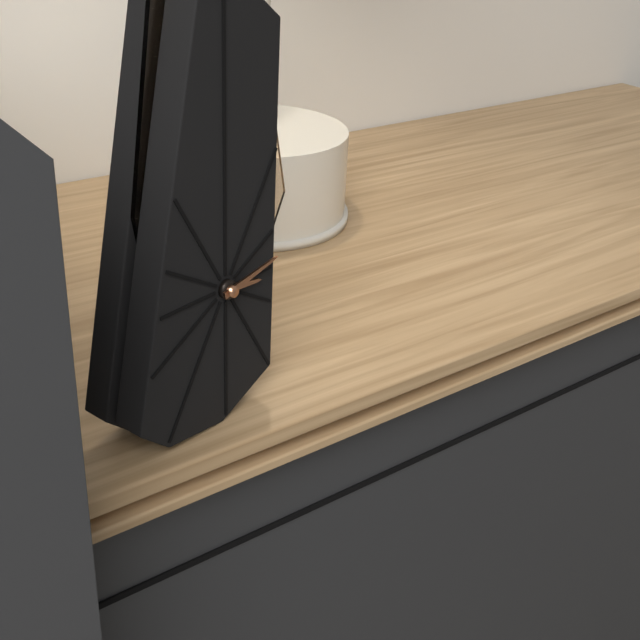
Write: {"hour": 3, "minute": 13}
